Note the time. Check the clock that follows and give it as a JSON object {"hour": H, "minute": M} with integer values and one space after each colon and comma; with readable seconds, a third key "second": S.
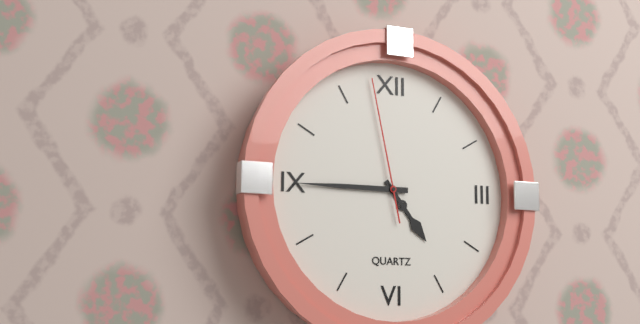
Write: {"hour": 4, "minute": 45, "second": 58}
